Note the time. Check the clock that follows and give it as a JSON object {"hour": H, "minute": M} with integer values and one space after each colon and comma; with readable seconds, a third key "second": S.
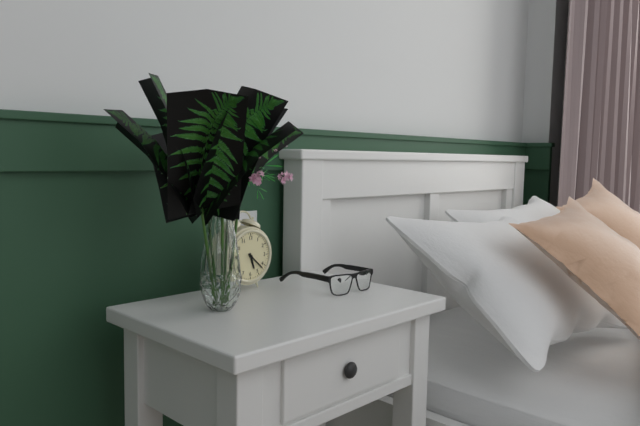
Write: {"hour": 5, "minute": 22}
